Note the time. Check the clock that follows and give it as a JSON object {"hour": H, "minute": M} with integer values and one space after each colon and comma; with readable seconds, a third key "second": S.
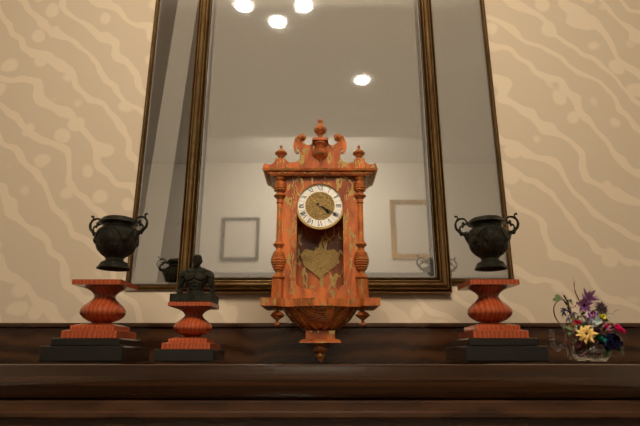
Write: {"hour": 4, "minute": 20}
